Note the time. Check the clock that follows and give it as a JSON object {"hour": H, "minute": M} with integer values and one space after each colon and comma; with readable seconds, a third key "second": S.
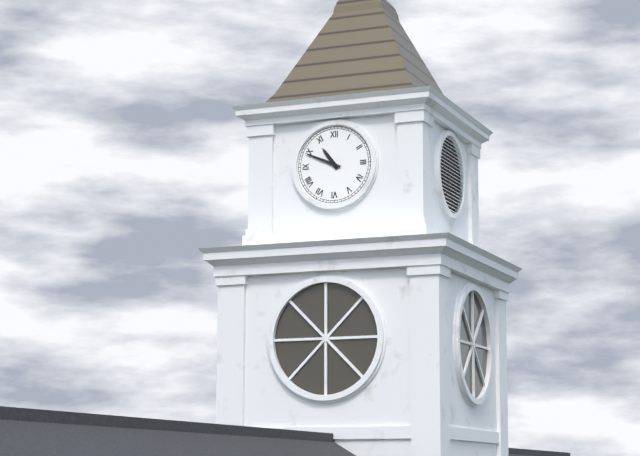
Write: {"hour": 10, "minute": 49}
